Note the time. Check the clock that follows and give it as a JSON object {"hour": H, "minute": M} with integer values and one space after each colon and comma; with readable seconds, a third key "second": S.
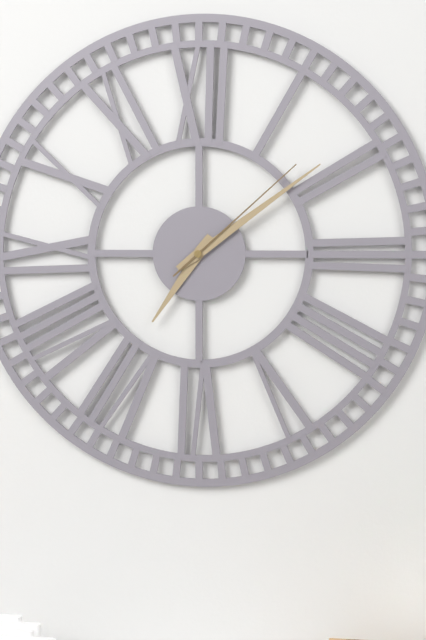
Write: {"hour": 7, "minute": 9, "second": 8}
